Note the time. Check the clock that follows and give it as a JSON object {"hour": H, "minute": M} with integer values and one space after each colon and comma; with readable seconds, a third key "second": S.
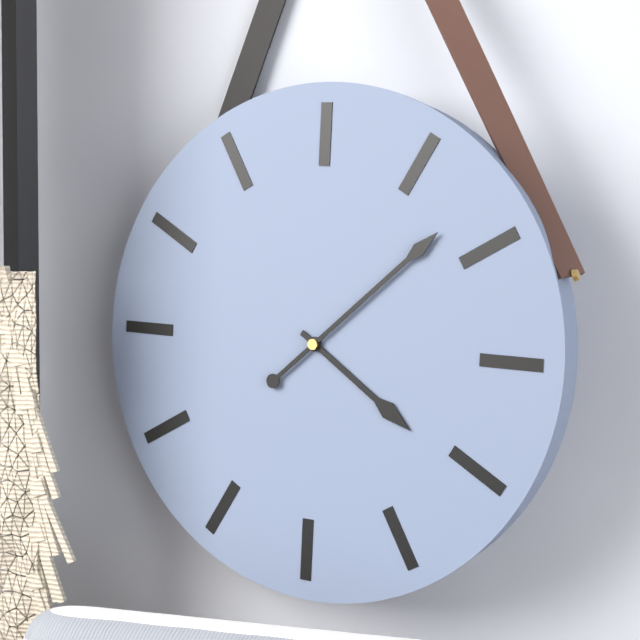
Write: {"hour": 4, "minute": 8}
